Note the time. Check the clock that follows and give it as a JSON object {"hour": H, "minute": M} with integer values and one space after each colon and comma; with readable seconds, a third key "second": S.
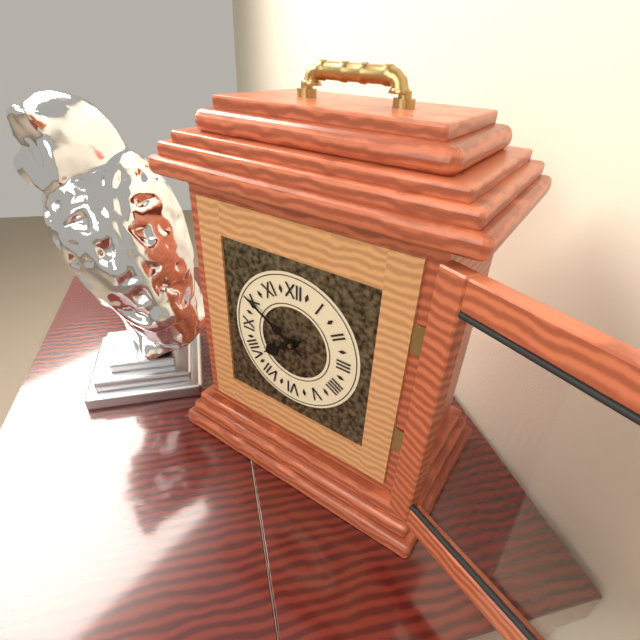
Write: {"hour": 7, "minute": 50}
